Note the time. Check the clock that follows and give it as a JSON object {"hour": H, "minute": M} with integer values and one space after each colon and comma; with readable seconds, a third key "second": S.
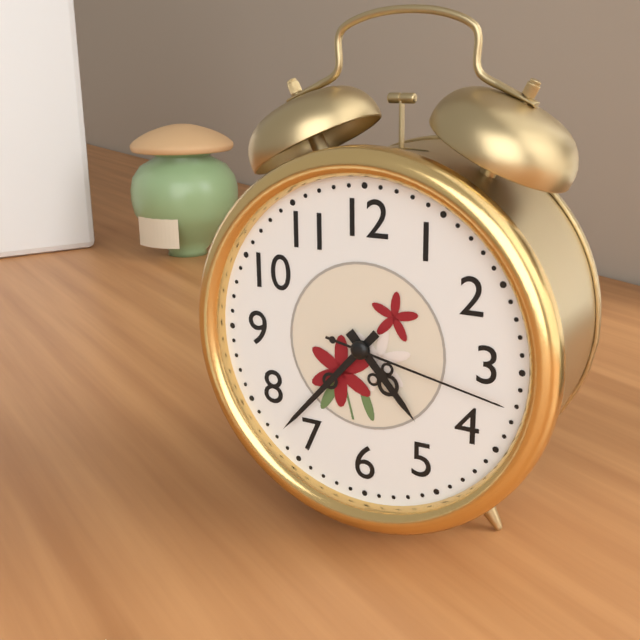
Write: {"hour": 4, "minute": 37, "second": 17}
